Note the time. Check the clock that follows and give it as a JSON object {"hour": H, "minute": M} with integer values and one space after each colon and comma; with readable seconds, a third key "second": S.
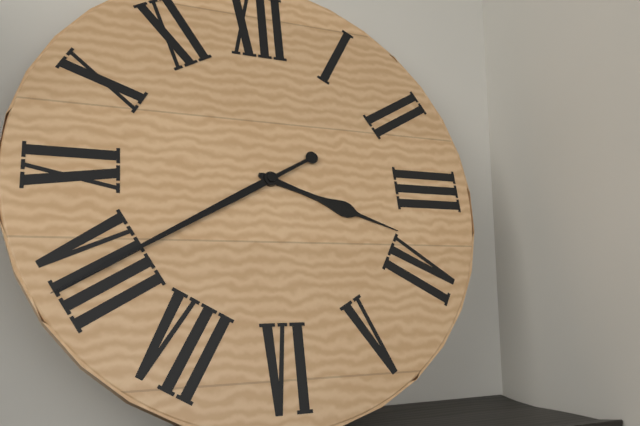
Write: {"hour": 3, "minute": 40}
